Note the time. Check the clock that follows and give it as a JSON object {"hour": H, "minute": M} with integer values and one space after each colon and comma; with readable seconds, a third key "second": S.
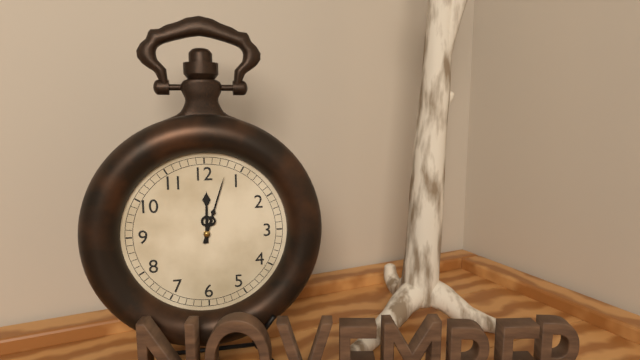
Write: {"hour": 12, "minute": 3}
